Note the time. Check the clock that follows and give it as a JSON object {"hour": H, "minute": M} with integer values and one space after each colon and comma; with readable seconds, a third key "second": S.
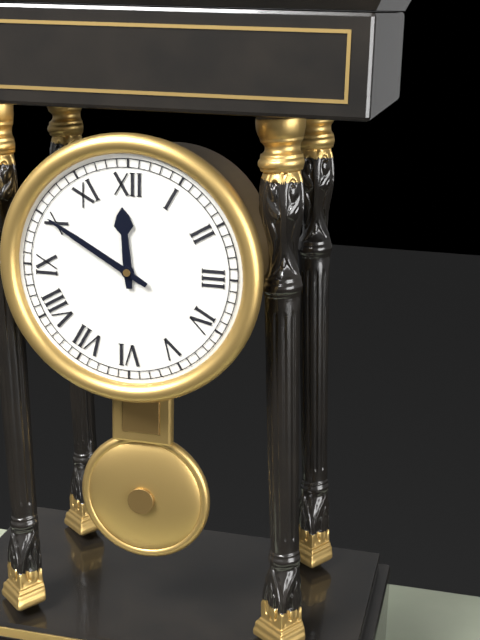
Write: {"hour": 11, "minute": 50}
